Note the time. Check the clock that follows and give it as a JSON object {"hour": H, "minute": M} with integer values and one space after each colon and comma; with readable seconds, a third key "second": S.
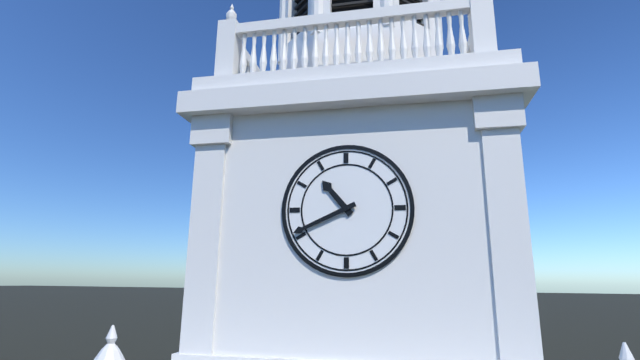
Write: {"hour": 10, "minute": 41}
